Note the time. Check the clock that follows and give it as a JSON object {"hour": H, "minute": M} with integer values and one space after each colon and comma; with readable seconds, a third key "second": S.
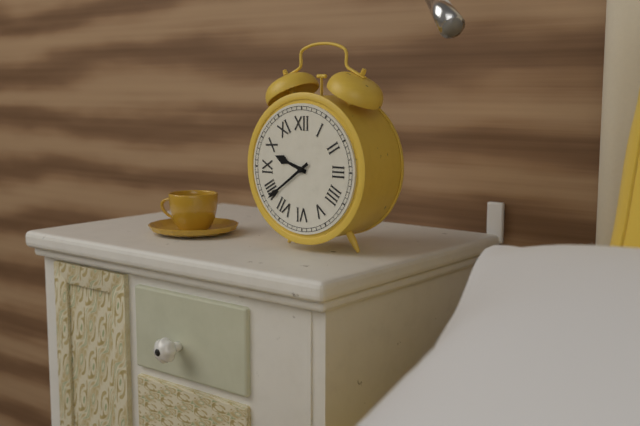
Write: {"hour": 9, "minute": 39}
